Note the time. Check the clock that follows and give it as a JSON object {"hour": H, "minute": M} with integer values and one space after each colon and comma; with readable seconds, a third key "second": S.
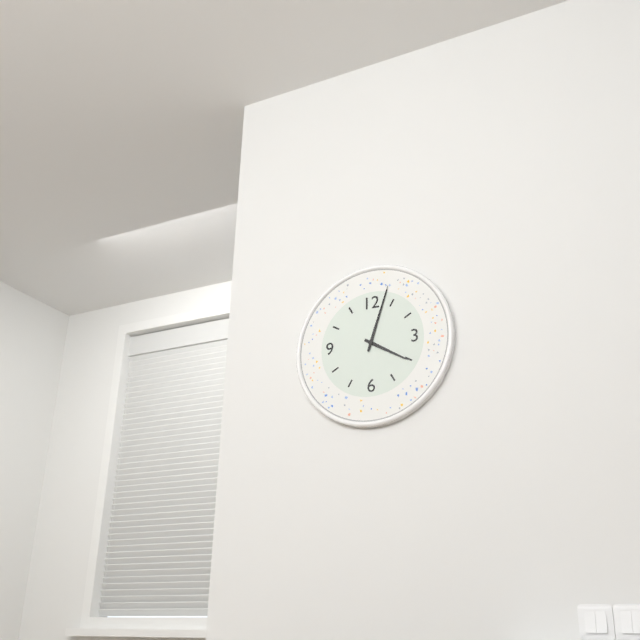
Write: {"hour": 4, "minute": 3}
